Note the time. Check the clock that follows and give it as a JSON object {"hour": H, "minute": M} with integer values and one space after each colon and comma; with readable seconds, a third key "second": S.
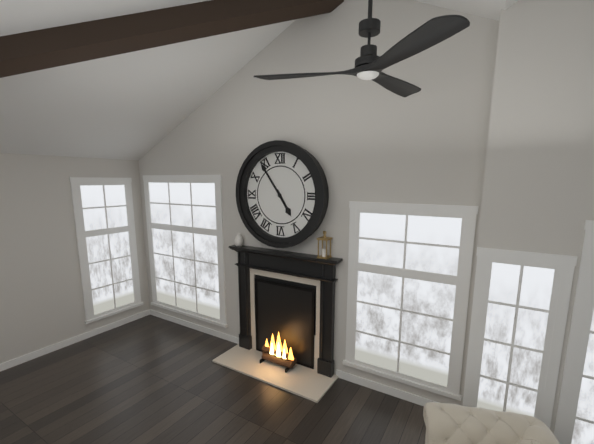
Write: {"hour": 4, "minute": 54}
